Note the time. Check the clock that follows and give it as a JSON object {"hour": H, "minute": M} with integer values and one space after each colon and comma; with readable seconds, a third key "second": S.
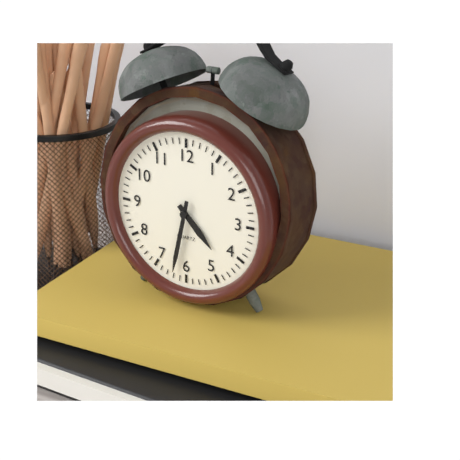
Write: {"hour": 4, "minute": 32}
